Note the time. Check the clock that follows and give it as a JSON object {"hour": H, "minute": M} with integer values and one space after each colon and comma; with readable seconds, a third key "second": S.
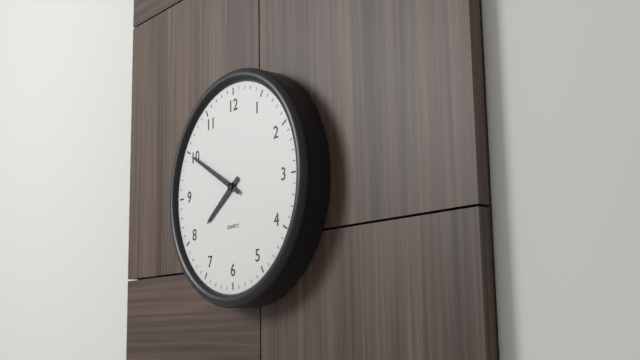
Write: {"hour": 7, "minute": 50}
